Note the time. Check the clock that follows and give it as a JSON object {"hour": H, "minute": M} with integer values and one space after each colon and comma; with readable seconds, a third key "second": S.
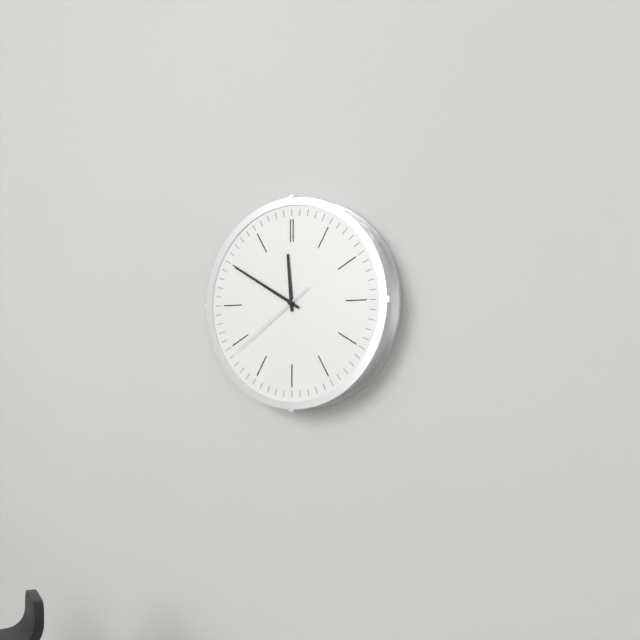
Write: {"hour": 11, "minute": 50, "second": 39}
